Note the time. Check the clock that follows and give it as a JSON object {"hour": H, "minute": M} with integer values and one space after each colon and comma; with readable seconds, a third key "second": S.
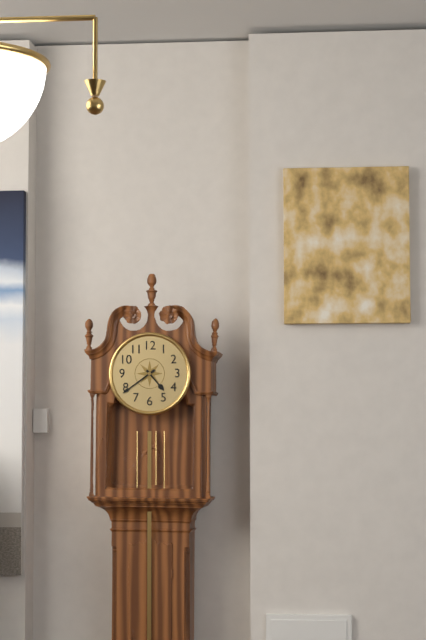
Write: {"hour": 4, "minute": 39}
